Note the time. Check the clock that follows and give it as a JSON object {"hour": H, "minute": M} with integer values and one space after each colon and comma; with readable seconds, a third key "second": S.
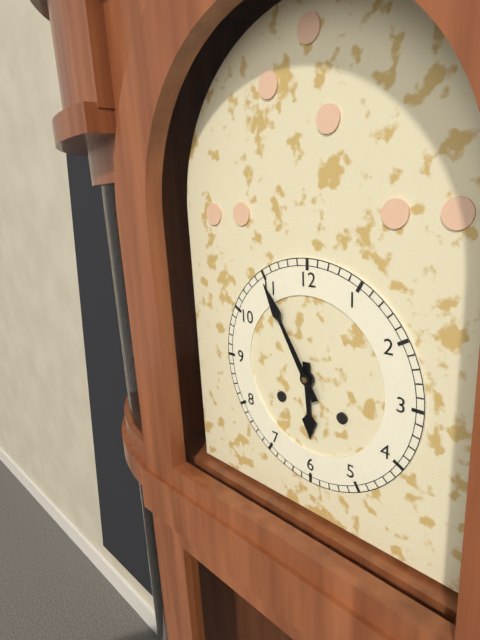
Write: {"hour": 5, "minute": 55}
